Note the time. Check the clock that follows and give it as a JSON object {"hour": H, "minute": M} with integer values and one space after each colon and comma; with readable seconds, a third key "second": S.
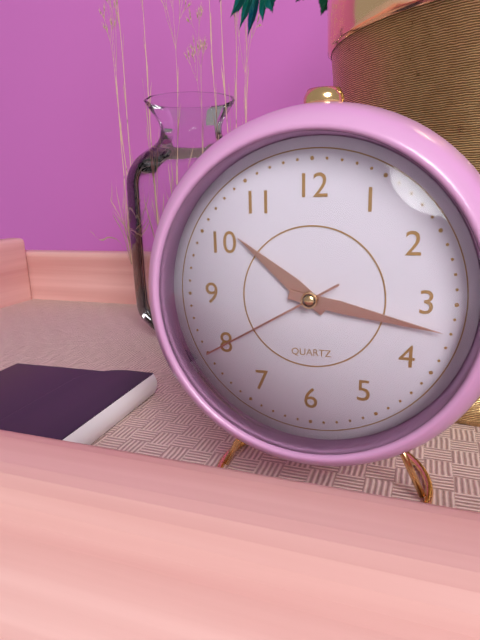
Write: {"hour": 10, "minute": 17, "second": 40}
